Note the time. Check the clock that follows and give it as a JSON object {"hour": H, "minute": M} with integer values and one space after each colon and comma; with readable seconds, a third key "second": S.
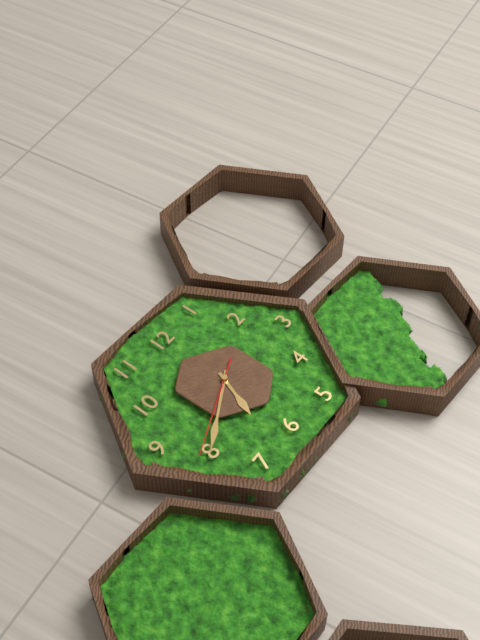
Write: {"hour": 6, "minute": 40, "second": 41}
